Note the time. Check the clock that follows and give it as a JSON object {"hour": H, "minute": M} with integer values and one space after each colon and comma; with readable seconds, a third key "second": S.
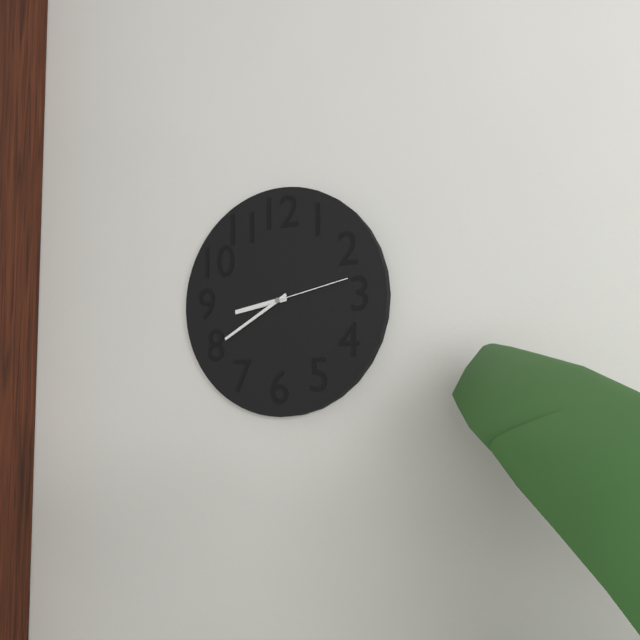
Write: {"hour": 8, "minute": 40, "second": 13}
